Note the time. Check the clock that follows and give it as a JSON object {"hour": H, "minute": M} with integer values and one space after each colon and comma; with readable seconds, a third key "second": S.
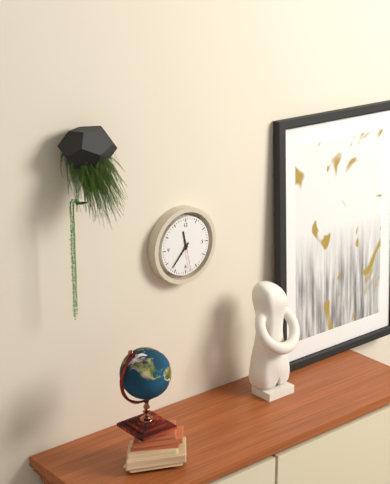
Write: {"hour": 11, "minute": 37}
